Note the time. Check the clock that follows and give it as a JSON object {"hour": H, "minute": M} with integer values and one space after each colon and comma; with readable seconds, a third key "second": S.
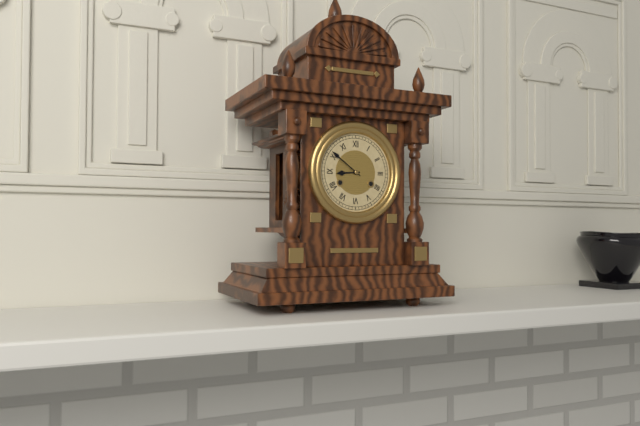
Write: {"hour": 8, "minute": 51}
